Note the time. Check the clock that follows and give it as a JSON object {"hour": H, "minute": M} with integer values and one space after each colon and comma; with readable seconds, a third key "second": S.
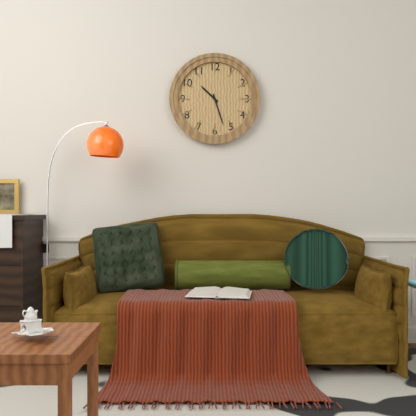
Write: {"hour": 10, "minute": 27}
